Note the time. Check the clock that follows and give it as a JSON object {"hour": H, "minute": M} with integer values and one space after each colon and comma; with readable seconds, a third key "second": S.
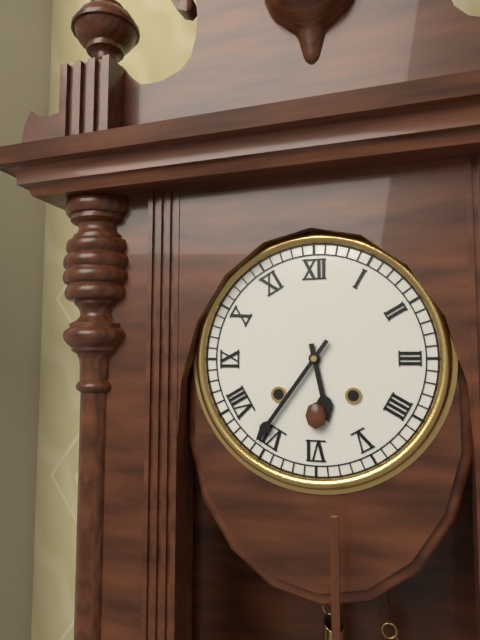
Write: {"hour": 5, "minute": 36}
